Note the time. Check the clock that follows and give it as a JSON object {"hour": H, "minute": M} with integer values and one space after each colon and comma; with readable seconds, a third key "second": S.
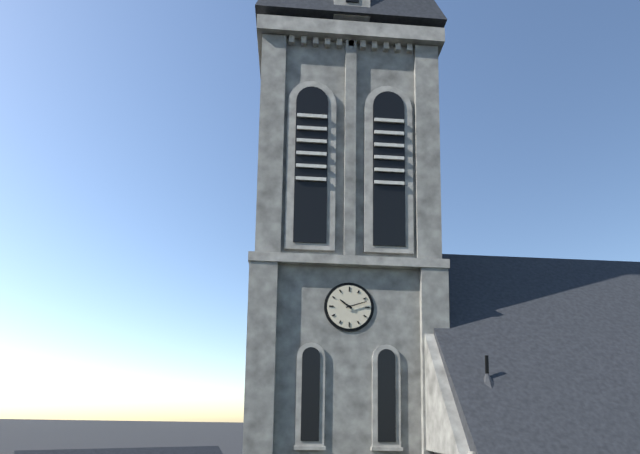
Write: {"hour": 10, "minute": 12}
